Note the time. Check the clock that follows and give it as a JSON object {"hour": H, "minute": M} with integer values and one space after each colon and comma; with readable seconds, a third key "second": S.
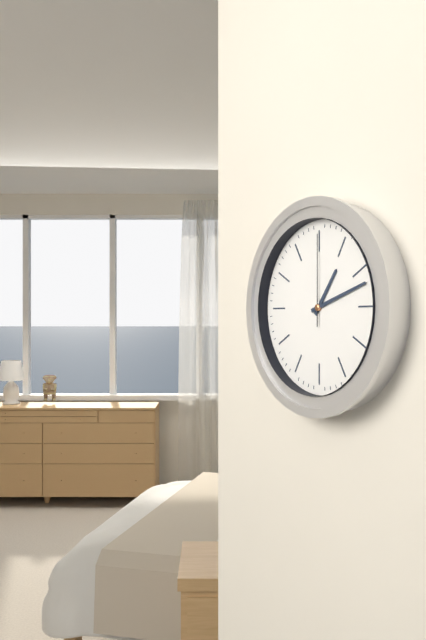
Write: {"hour": 1, "minute": 12, "second": 0}
